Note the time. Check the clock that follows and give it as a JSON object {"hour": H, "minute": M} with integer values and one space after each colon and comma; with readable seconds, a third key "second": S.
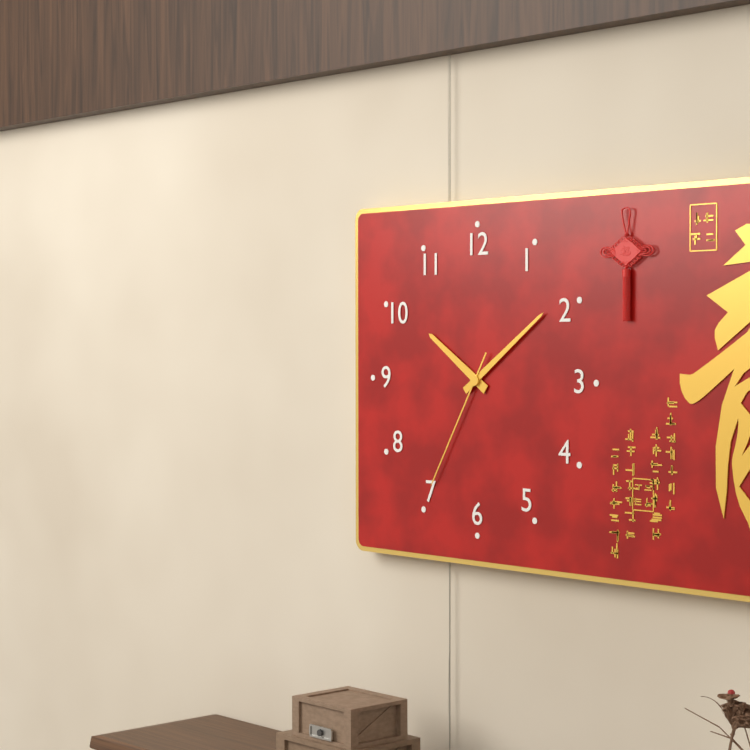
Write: {"hour": 10, "minute": 9, "second": 35}
